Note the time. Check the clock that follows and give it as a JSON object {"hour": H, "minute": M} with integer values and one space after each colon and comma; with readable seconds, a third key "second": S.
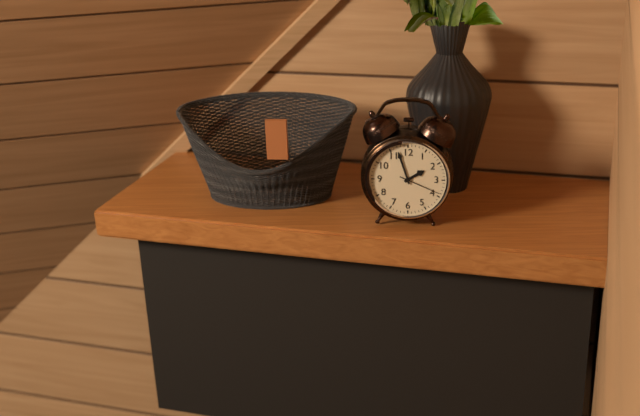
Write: {"hour": 1, "minute": 57}
